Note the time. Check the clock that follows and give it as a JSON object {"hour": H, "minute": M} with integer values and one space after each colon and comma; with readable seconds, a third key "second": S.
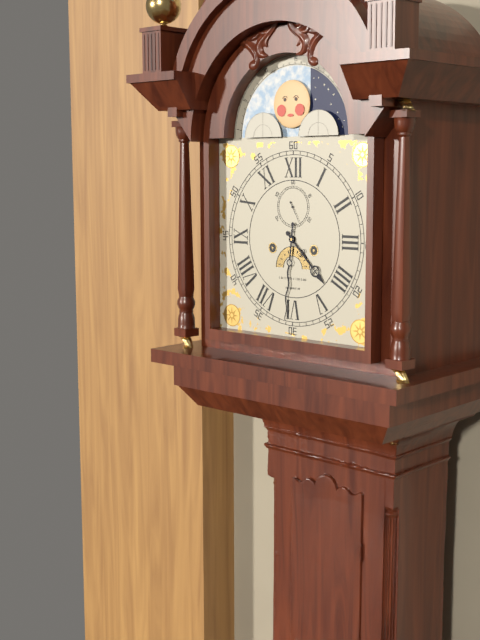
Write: {"hour": 4, "minute": 31}
